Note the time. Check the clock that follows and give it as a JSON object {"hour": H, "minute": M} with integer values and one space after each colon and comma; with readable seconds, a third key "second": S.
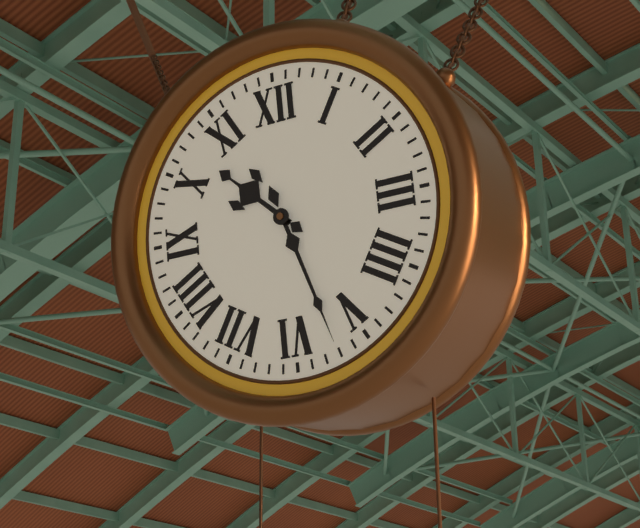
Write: {"hour": 10, "minute": 27}
